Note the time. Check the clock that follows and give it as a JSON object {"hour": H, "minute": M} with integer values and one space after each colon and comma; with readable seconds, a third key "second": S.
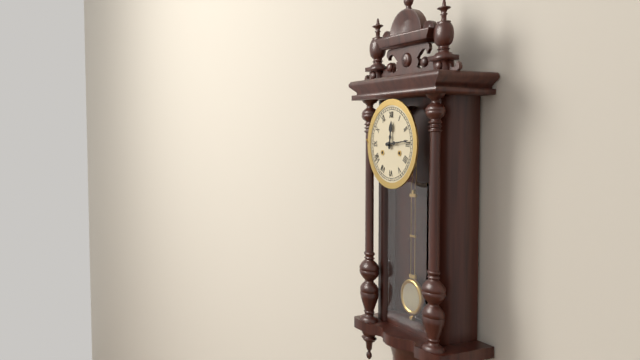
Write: {"hour": 12, "minute": 14}
